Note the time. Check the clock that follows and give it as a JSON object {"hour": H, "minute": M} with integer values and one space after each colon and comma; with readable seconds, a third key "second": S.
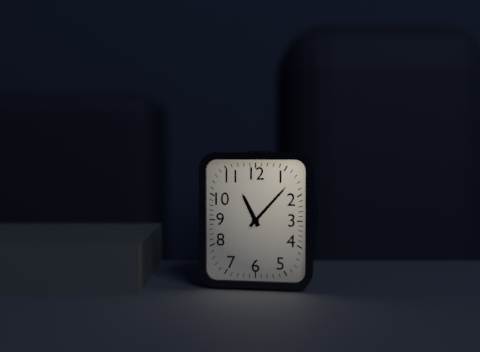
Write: {"hour": 11, "minute": 7}
